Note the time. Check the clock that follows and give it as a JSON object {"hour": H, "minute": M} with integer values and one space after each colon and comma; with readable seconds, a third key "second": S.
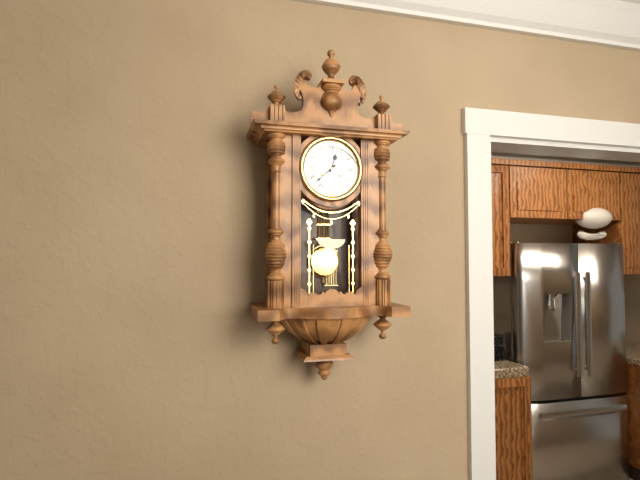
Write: {"hour": 12, "minute": 38}
